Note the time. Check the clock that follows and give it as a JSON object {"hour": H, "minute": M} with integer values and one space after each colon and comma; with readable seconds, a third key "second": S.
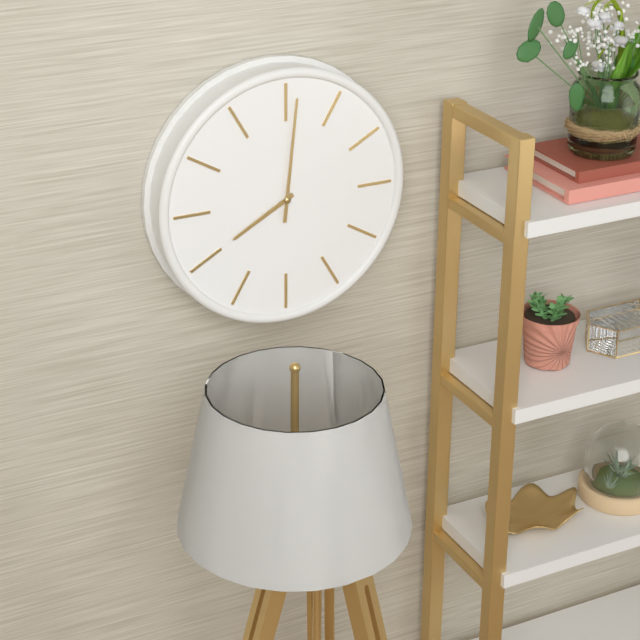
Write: {"hour": 8, "minute": 1}
